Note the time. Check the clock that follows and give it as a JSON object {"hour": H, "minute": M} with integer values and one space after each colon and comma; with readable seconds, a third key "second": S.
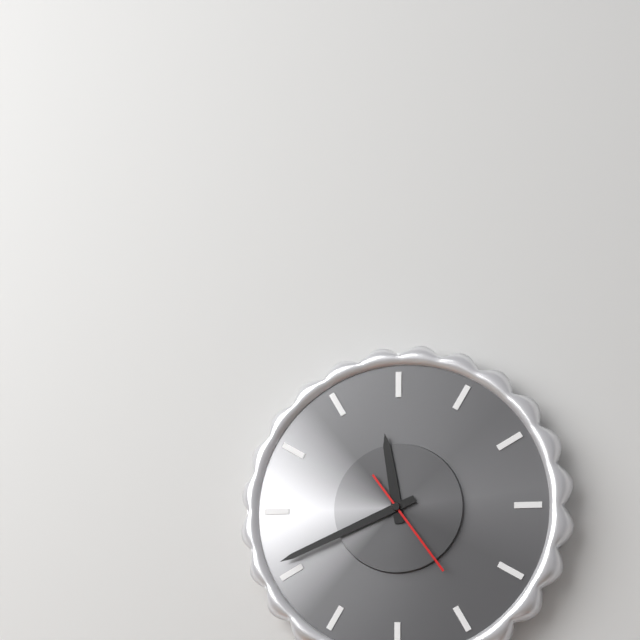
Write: {"hour": 11, "minute": 41, "second": 24}
